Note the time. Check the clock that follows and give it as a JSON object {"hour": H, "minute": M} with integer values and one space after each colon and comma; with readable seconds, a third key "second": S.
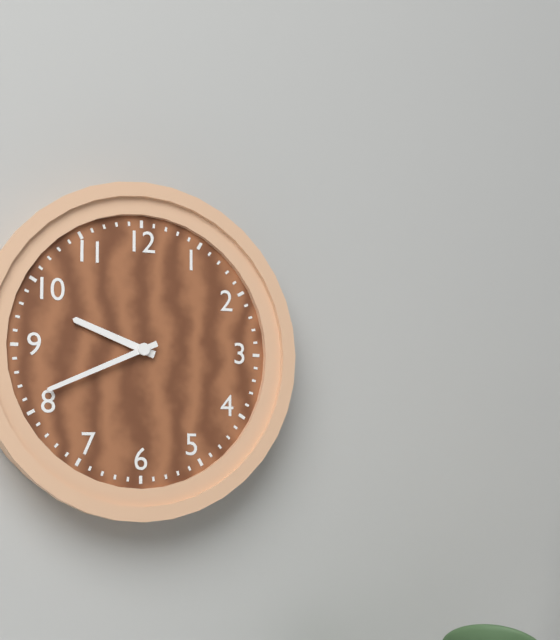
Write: {"hour": 9, "minute": 41}
